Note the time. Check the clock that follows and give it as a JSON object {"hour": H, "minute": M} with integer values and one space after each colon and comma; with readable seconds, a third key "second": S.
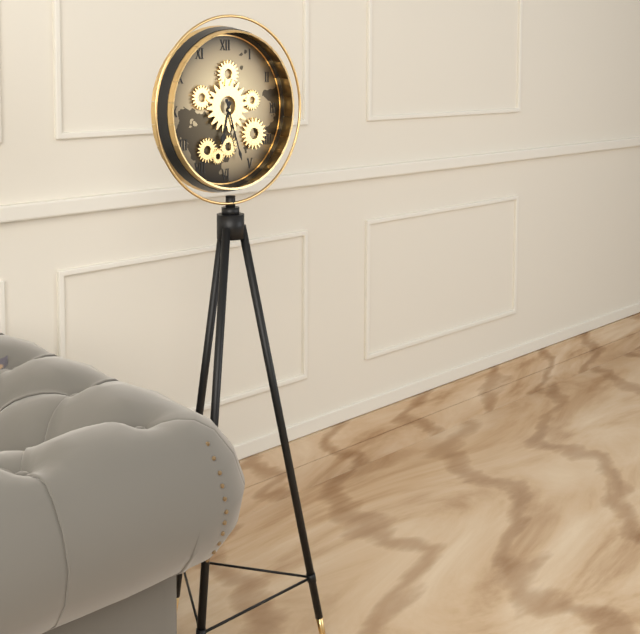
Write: {"hour": 6, "minute": 27}
